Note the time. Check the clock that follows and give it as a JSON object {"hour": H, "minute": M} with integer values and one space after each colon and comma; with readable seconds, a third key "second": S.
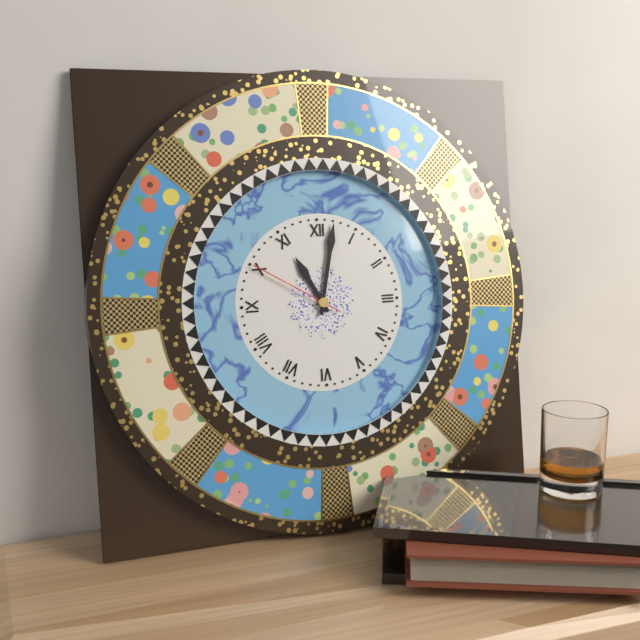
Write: {"hour": 11, "minute": 2, "second": 50}
